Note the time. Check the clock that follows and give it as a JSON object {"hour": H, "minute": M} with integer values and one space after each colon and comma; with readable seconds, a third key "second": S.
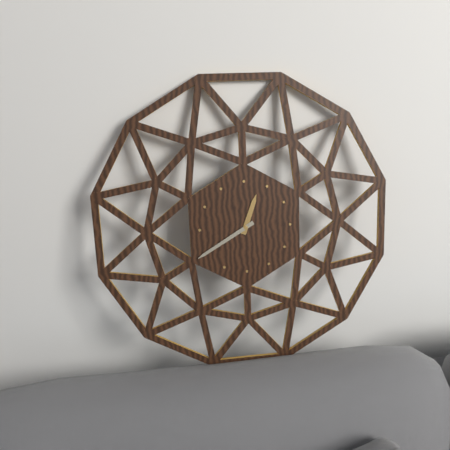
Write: {"hour": 12, "minute": 40}
